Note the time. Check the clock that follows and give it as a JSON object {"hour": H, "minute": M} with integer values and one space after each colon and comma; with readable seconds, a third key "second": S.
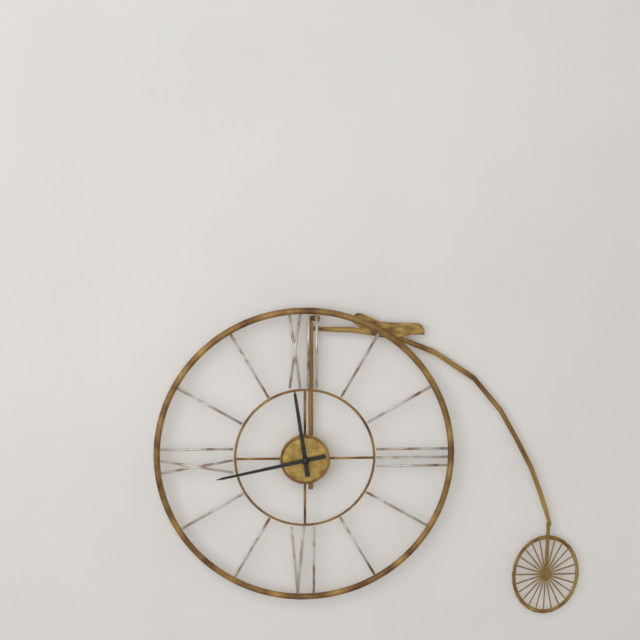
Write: {"hour": 11, "minute": 43}
